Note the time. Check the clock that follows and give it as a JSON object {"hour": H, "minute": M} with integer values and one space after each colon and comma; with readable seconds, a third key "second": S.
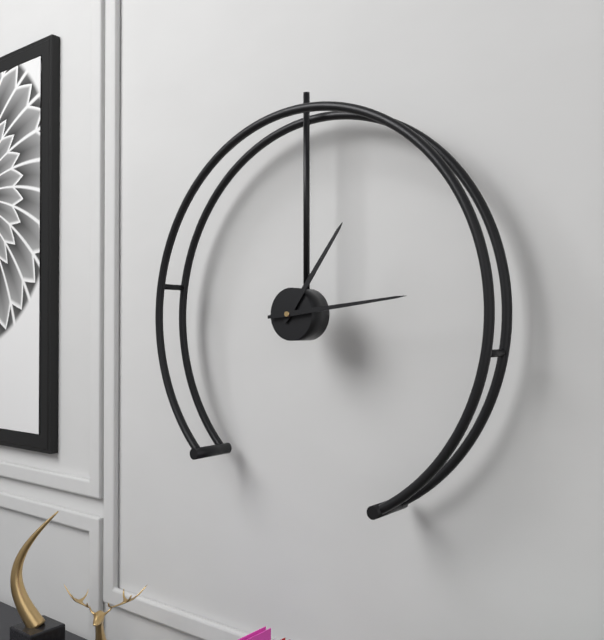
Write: {"hour": 1, "minute": 14}
